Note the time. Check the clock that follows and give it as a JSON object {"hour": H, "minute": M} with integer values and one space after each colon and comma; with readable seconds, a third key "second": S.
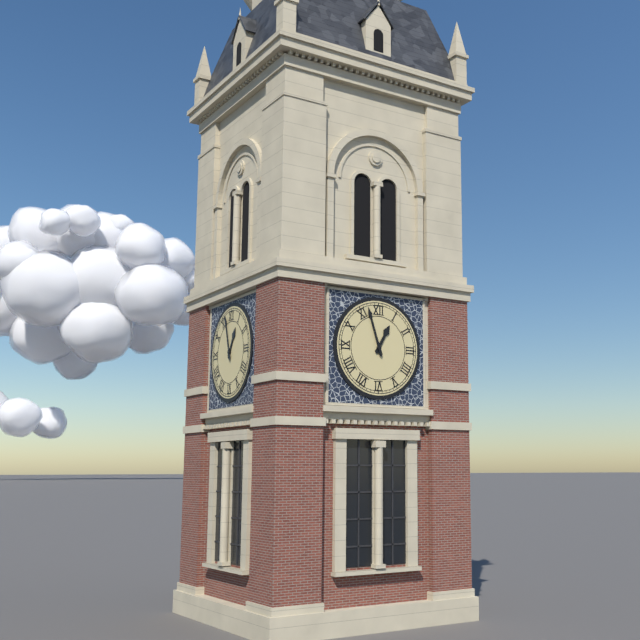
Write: {"hour": 12, "minute": 57}
